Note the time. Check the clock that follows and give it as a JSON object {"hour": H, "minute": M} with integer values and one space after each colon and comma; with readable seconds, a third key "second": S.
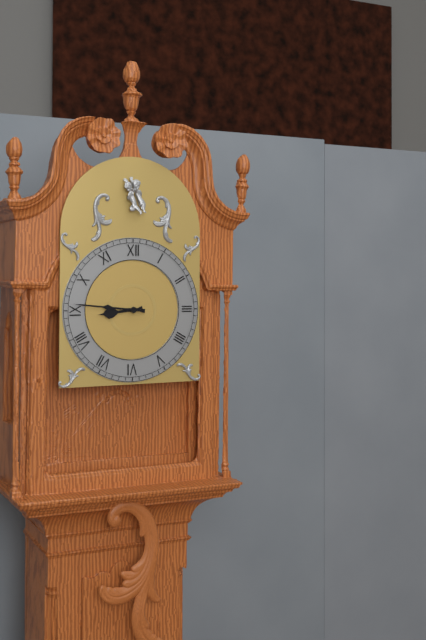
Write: {"hour": 8, "minute": 46}
